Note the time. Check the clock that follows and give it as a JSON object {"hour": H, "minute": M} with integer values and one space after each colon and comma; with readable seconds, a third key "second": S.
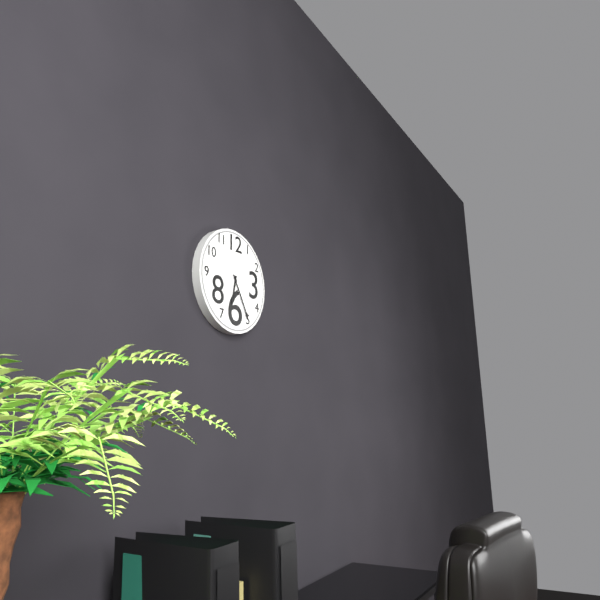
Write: {"hour": 6, "minute": 25}
